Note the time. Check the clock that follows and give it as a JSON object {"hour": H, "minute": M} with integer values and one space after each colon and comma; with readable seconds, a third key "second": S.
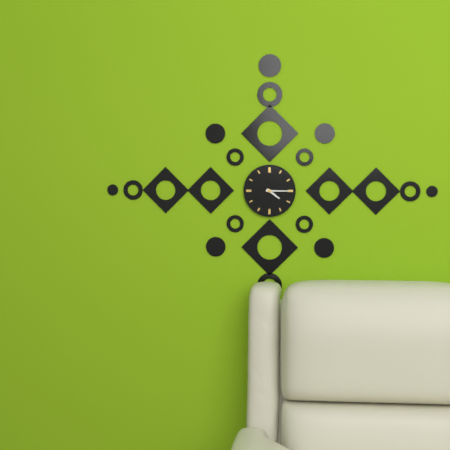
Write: {"hour": 4, "minute": 15}
